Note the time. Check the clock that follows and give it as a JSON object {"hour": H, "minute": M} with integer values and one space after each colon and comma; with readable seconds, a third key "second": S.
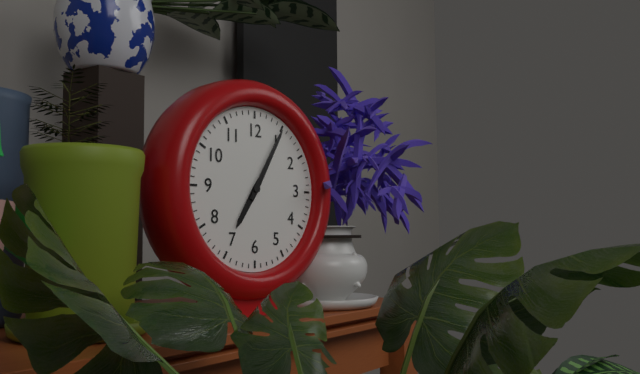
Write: {"hour": 7, "minute": 5}
